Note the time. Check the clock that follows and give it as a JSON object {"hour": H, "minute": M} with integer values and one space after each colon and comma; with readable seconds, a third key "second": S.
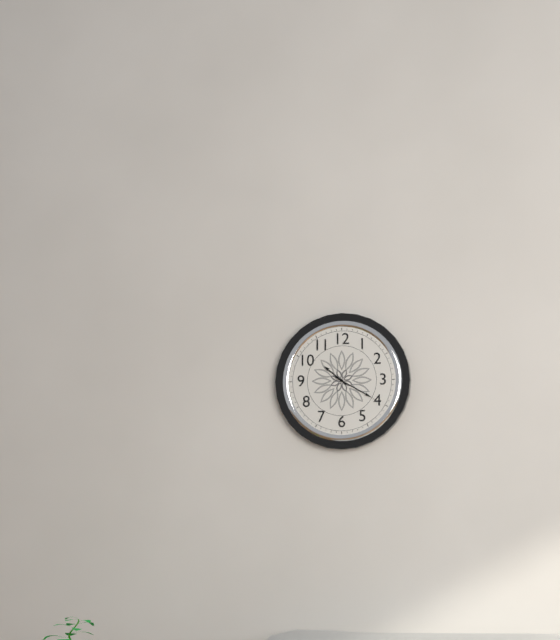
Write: {"hour": 10, "minute": 20}
